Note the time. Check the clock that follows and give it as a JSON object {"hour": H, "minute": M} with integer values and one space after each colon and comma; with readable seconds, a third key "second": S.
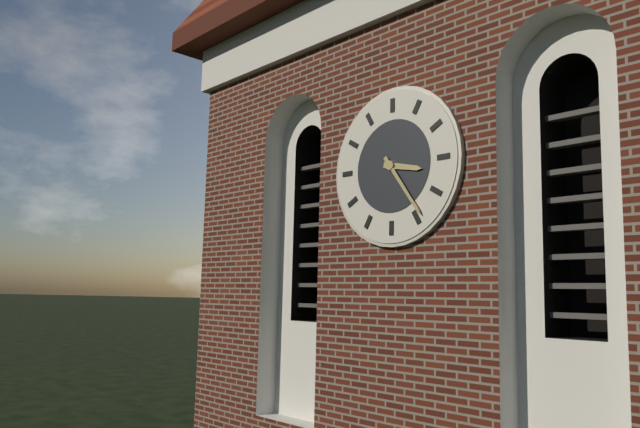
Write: {"hour": 3, "minute": 24}
